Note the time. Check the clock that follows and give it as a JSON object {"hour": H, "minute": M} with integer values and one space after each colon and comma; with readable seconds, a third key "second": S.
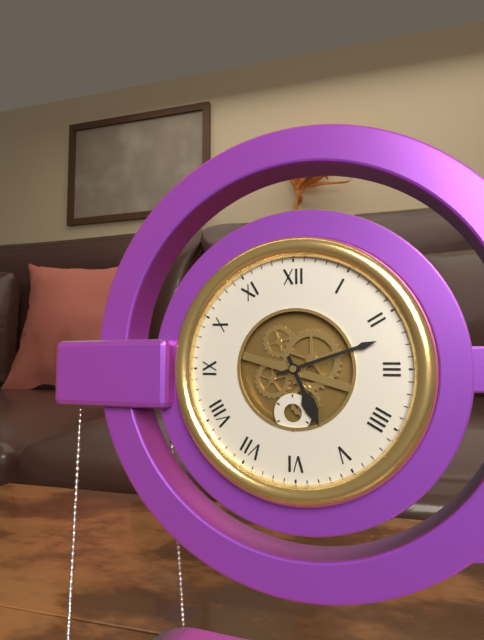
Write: {"hour": 5, "minute": 12}
